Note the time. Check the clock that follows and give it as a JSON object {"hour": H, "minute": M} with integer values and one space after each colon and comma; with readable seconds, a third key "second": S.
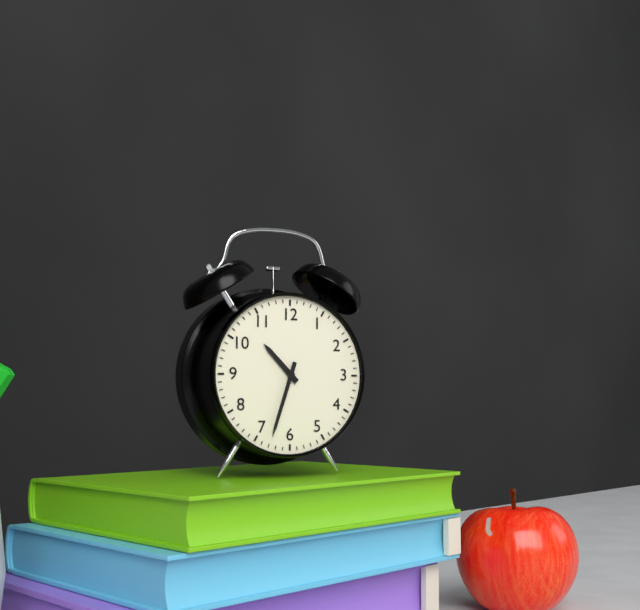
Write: {"hour": 10, "minute": 33}
